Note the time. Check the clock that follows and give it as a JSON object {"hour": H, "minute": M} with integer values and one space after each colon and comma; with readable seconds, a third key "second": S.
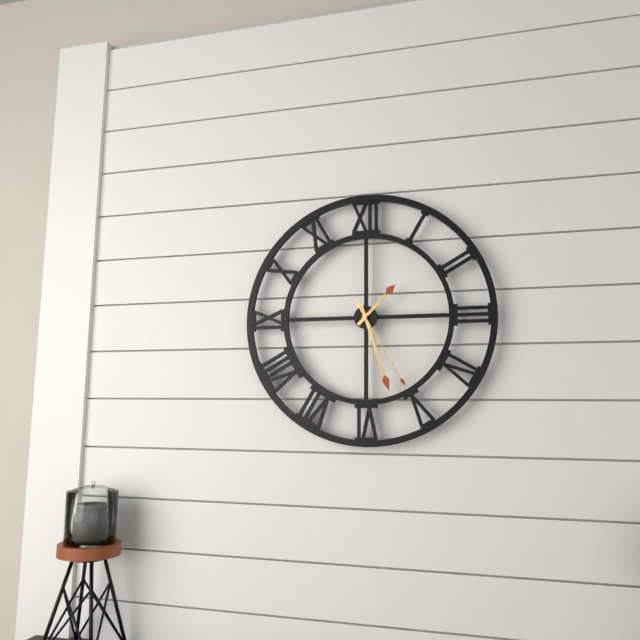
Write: {"hour": 1, "minute": 27, "second": 25}
